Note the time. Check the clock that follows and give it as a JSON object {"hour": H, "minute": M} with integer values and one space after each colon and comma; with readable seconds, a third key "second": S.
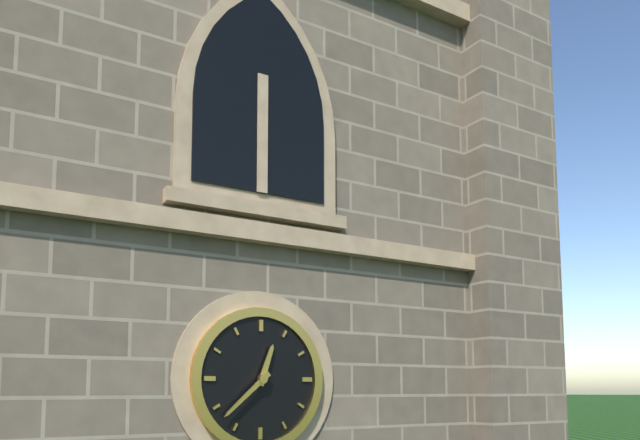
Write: {"hour": 12, "minute": 38}
